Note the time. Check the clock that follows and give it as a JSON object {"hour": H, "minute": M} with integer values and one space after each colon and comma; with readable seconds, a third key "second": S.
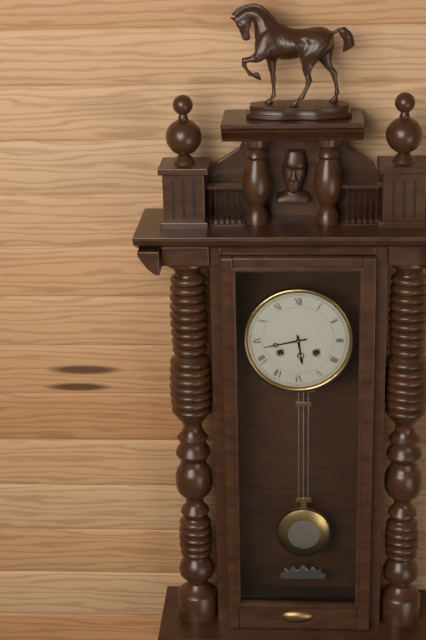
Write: {"hour": 5, "minute": 43}
